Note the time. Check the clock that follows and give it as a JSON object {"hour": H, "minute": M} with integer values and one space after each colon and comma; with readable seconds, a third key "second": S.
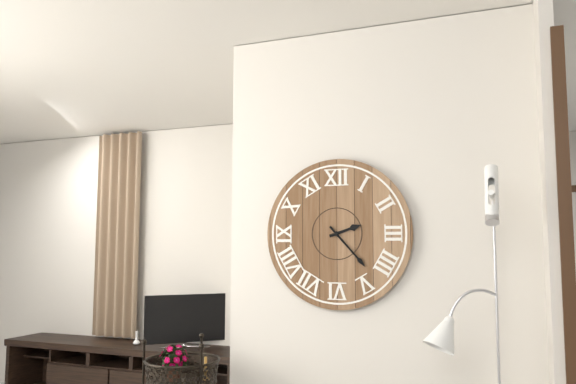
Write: {"hour": 2, "minute": 23}
